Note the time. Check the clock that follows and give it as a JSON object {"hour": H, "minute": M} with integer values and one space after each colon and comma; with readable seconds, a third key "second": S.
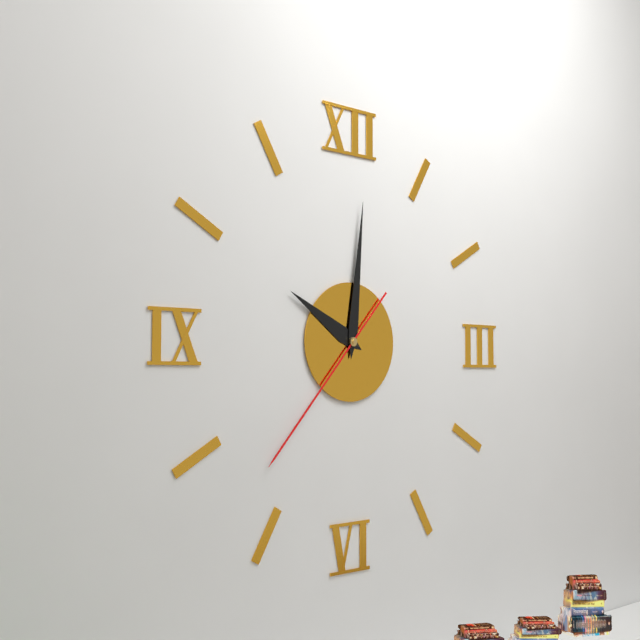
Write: {"hour": 10, "minute": 1, "second": 37}
